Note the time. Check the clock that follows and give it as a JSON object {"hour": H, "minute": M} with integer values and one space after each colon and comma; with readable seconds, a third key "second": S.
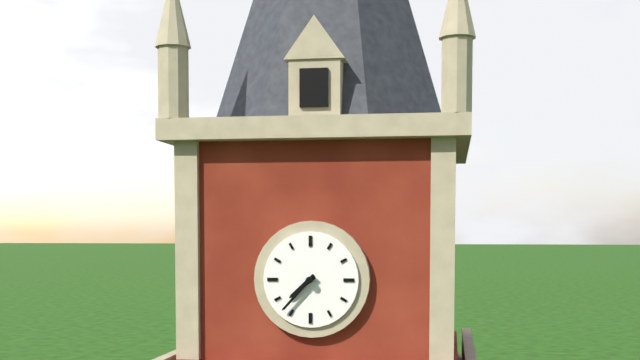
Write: {"hour": 7, "minute": 37}
